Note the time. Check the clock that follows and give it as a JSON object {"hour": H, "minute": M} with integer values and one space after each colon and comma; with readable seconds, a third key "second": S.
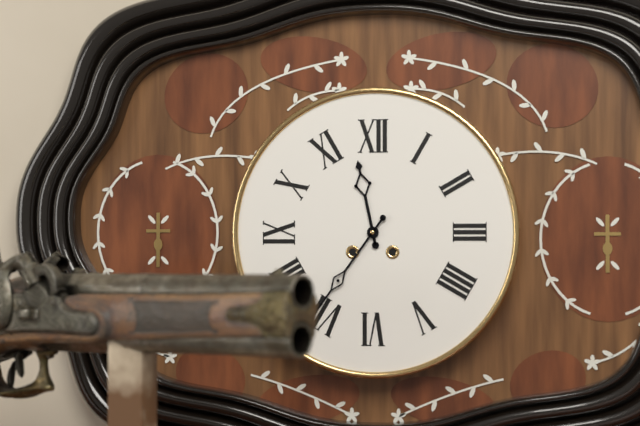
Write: {"hour": 11, "minute": 36}
